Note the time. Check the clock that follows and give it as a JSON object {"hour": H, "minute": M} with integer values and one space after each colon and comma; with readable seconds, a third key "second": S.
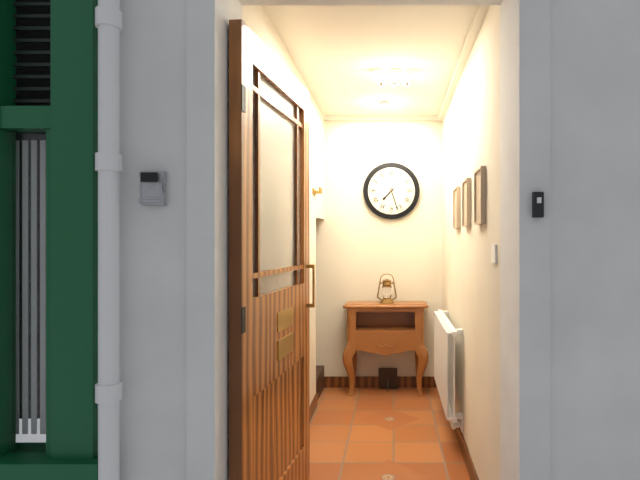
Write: {"hour": 7, "minute": 27}
